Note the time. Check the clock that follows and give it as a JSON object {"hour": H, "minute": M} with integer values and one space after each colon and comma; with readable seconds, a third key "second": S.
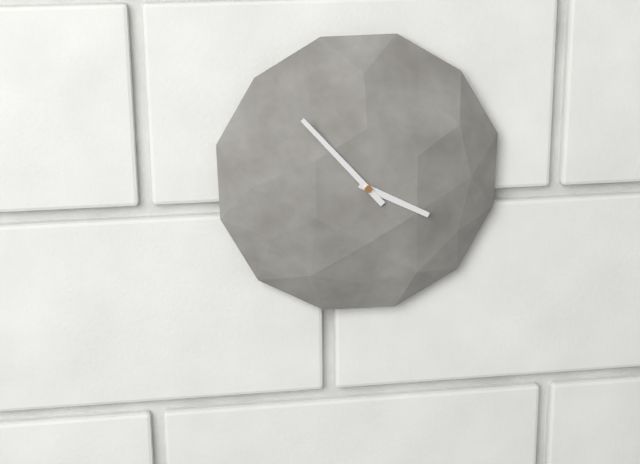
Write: {"hour": 3, "minute": 53}
